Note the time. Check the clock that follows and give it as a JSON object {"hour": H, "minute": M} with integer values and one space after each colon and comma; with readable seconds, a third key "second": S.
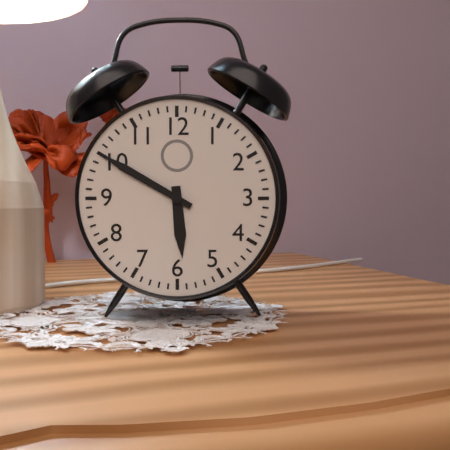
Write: {"hour": 5, "minute": 50}
